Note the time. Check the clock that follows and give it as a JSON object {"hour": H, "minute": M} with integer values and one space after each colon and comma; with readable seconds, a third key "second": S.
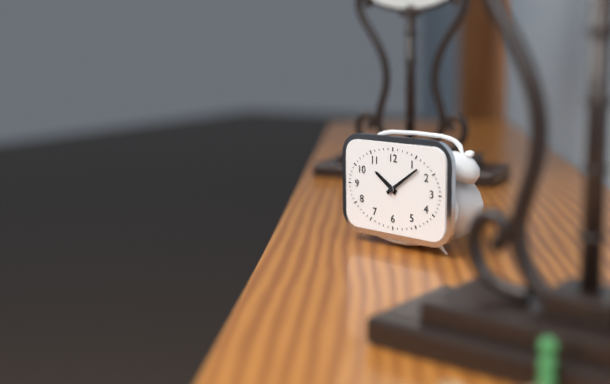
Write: {"hour": 10, "minute": 9}
